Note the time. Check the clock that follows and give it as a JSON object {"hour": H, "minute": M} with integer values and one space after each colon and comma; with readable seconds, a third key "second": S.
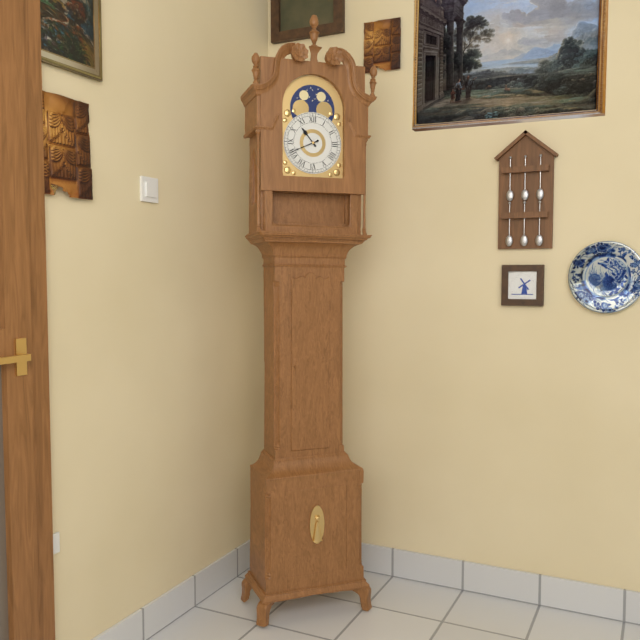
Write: {"hour": 10, "minute": 41}
